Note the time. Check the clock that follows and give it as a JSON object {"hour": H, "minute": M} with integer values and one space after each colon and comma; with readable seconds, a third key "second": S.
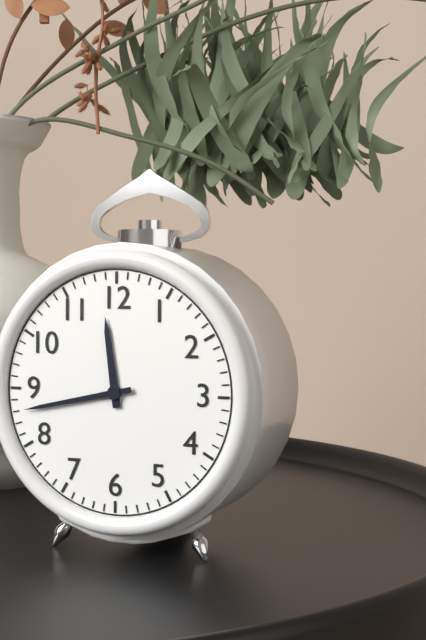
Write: {"hour": 11, "minute": 43}
